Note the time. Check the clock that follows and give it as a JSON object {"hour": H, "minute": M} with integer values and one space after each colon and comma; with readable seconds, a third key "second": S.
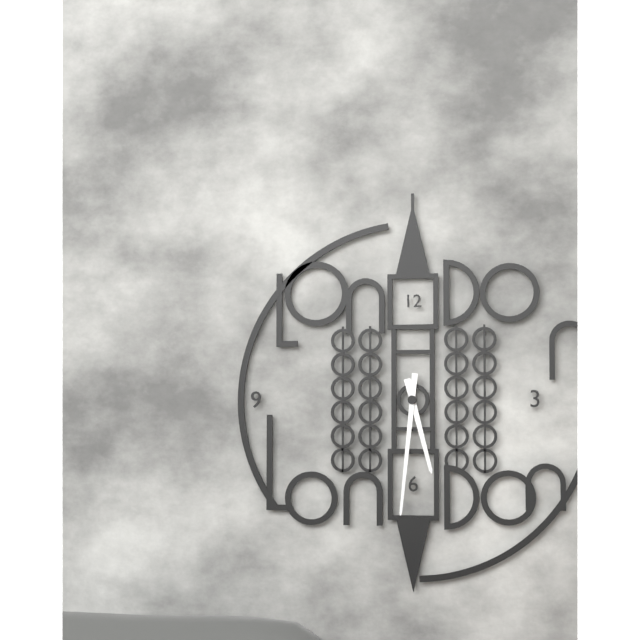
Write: {"hour": 5, "minute": 31}
